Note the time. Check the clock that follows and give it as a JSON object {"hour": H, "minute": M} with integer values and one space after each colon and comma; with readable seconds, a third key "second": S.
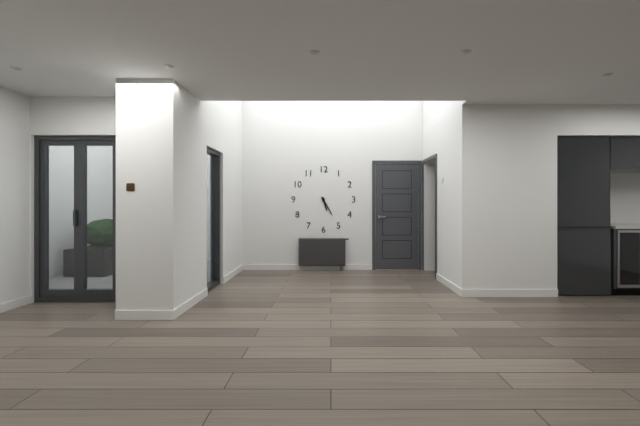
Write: {"hour": 5, "minute": 25}
